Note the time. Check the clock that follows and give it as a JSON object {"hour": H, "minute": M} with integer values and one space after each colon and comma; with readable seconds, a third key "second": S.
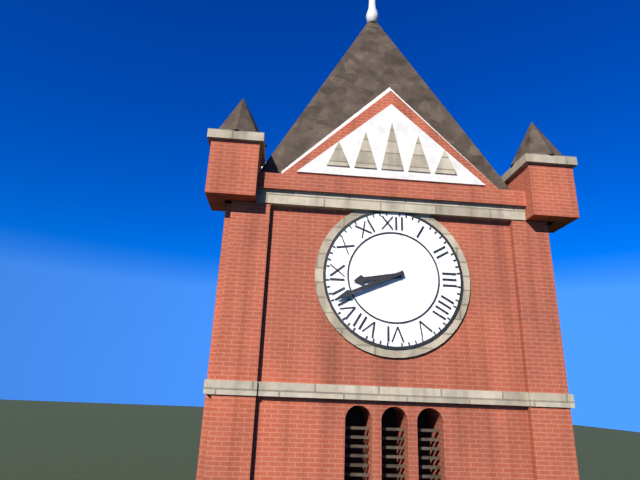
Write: {"hour": 8, "minute": 41}
